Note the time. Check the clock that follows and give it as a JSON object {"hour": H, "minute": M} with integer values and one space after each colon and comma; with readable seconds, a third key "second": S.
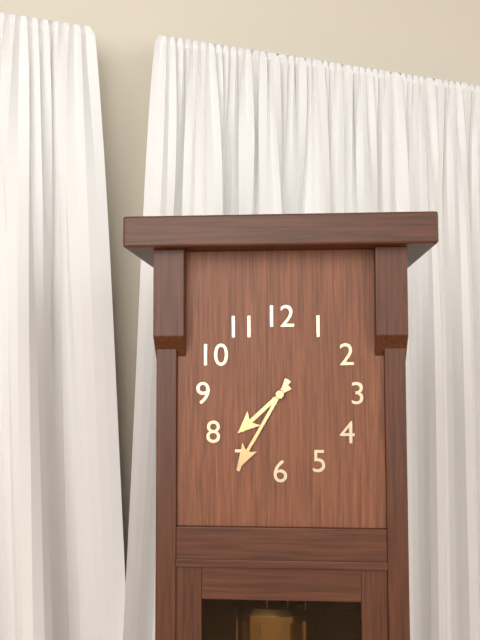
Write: {"hour": 7, "minute": 35}
